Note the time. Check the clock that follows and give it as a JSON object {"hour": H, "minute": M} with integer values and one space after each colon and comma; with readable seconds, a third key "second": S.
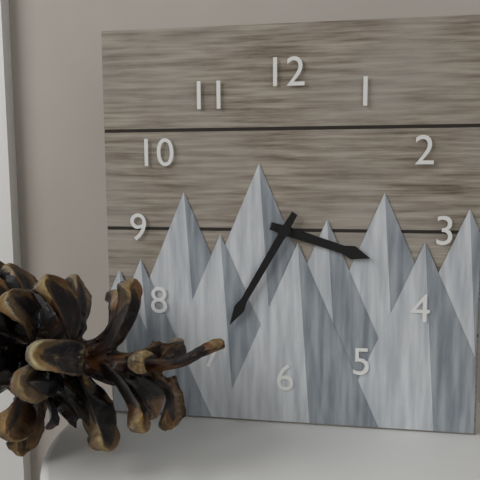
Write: {"hour": 3, "minute": 35}
